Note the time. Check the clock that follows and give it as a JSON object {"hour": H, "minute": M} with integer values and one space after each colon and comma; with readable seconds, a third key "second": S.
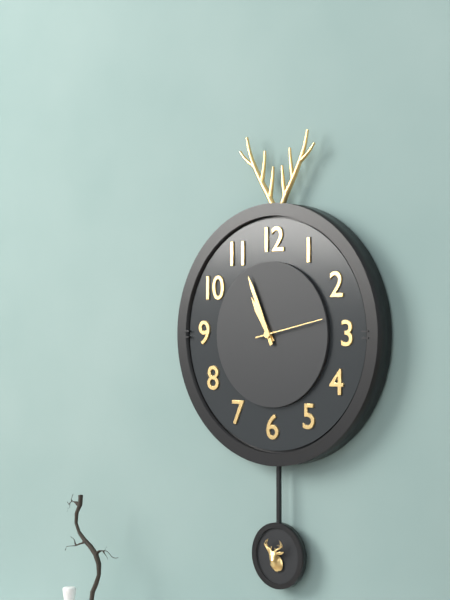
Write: {"hour": 10, "minute": 56}
